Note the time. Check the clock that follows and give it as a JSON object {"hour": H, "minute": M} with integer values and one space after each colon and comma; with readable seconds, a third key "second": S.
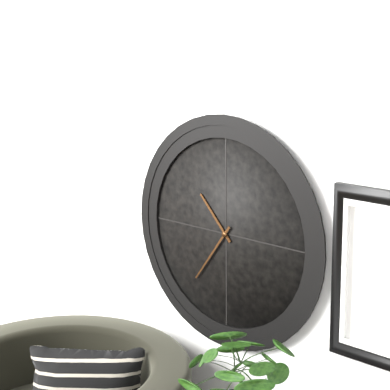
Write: {"hour": 10, "minute": 36}
